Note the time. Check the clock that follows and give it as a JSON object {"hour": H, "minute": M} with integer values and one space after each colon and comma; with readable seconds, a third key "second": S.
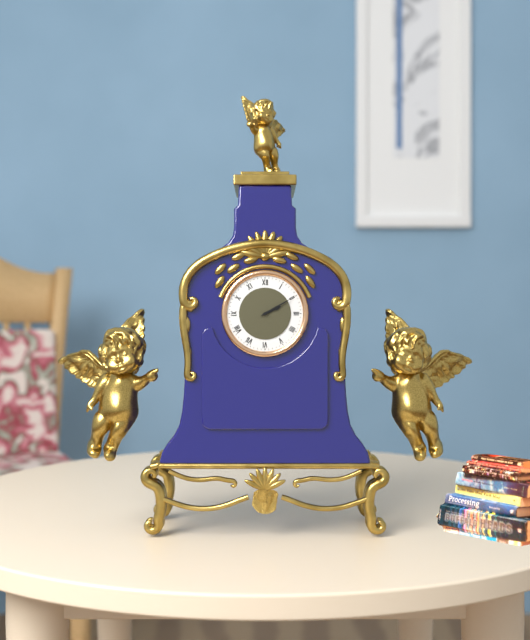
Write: {"hour": 2, "minute": 10}
